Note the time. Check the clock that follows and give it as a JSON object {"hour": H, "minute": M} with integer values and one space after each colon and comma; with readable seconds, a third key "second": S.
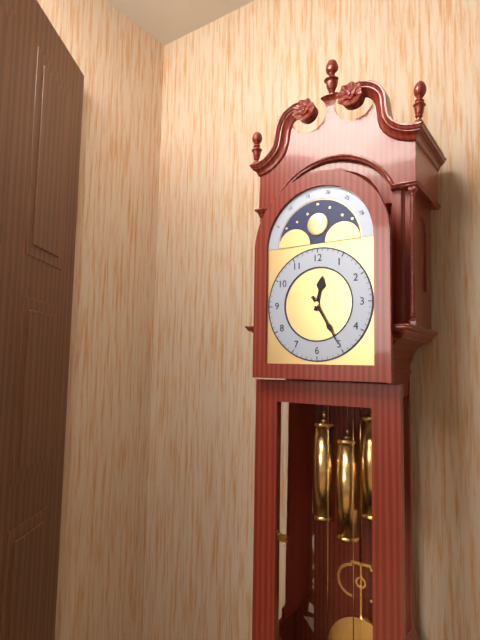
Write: {"hour": 12, "minute": 25}
